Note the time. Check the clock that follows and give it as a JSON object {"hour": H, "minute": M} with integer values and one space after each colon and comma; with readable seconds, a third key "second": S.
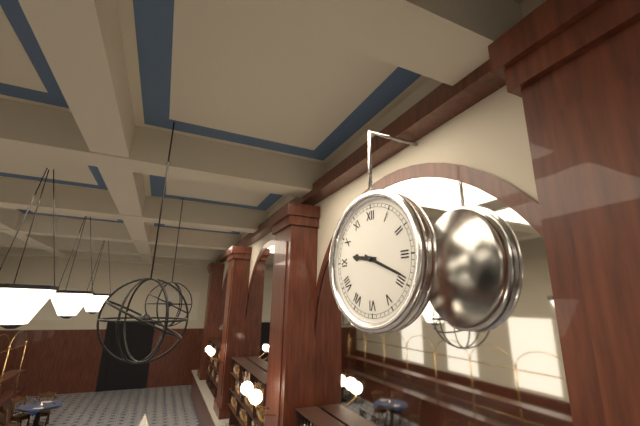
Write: {"hour": 9, "minute": 19}
